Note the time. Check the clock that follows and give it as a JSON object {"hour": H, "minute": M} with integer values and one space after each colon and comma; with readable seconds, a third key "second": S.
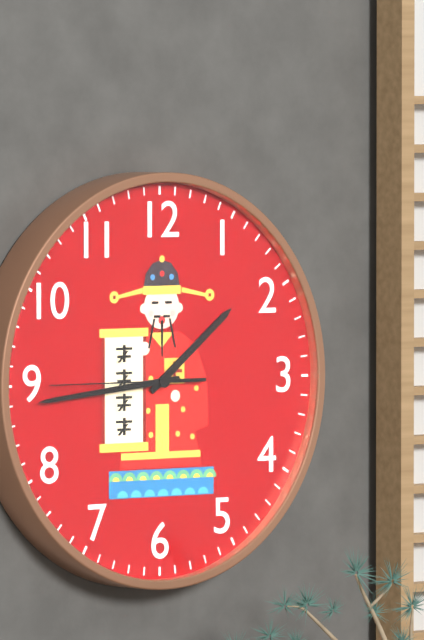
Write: {"hour": 1, "minute": 44, "second": 45}
